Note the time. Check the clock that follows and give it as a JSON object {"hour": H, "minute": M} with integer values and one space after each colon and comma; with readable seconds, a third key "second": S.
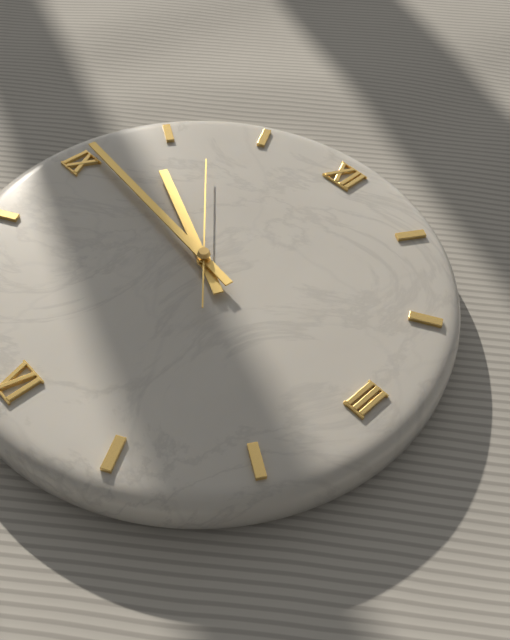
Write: {"hour": 9, "minute": 46, "second": 52}
